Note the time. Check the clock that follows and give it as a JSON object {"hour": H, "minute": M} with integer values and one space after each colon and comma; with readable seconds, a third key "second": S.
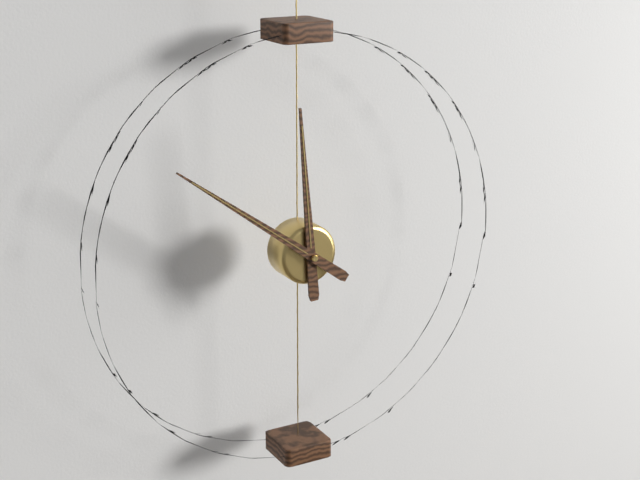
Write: {"hour": 11, "minute": 51}
